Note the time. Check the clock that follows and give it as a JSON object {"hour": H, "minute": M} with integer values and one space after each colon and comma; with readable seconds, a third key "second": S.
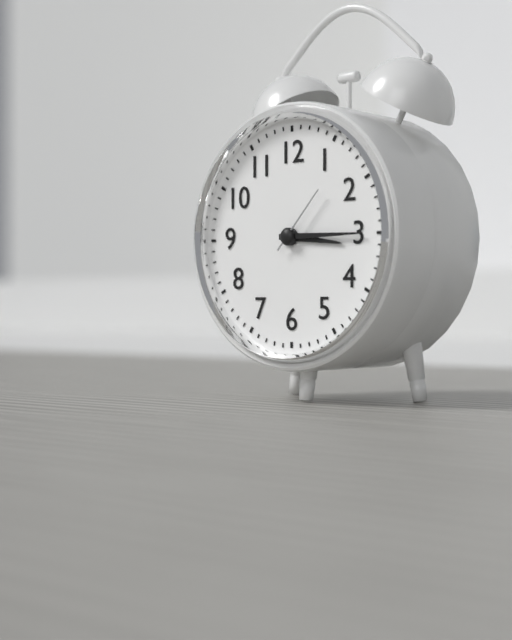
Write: {"hour": 3, "minute": 15, "second": 7}
